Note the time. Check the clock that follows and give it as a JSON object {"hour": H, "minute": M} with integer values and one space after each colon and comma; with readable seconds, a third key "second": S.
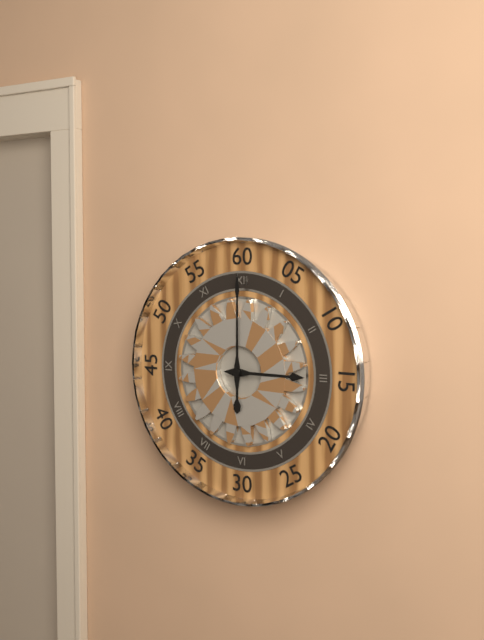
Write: {"hour": 3, "minute": 0}
